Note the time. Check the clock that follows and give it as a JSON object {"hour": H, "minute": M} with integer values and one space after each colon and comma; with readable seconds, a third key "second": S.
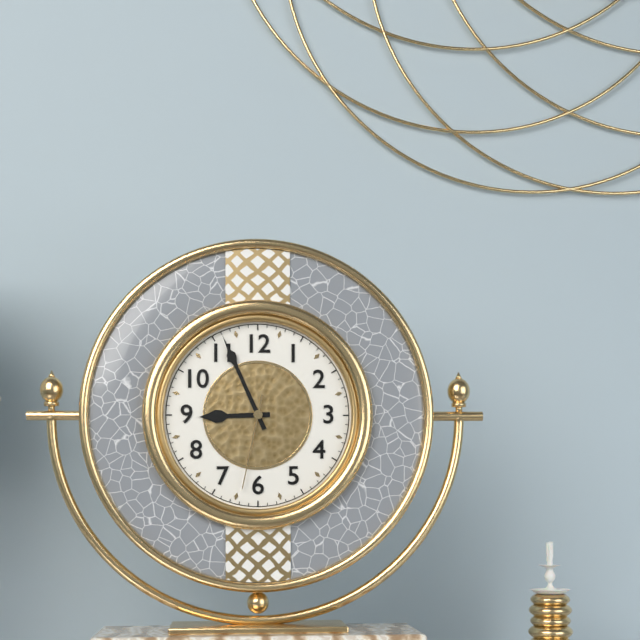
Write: {"hour": 8, "minute": 56, "second": 32}
